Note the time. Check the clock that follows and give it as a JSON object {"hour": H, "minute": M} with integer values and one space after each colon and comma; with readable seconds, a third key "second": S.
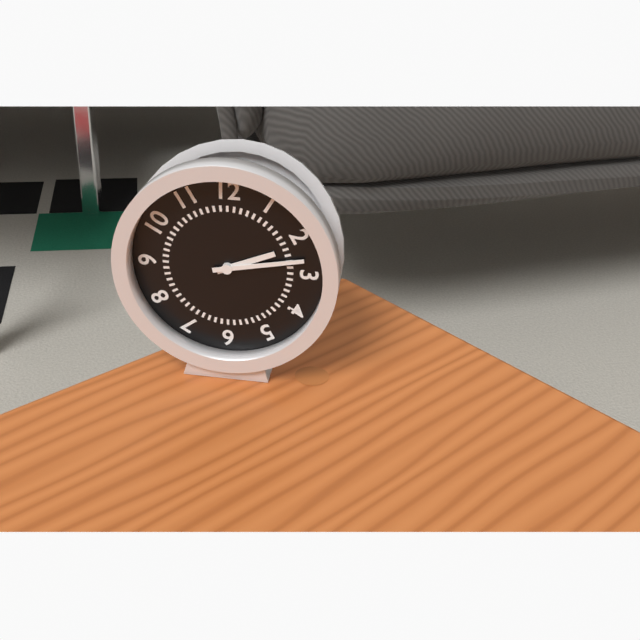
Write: {"hour": 2, "minute": 13}
